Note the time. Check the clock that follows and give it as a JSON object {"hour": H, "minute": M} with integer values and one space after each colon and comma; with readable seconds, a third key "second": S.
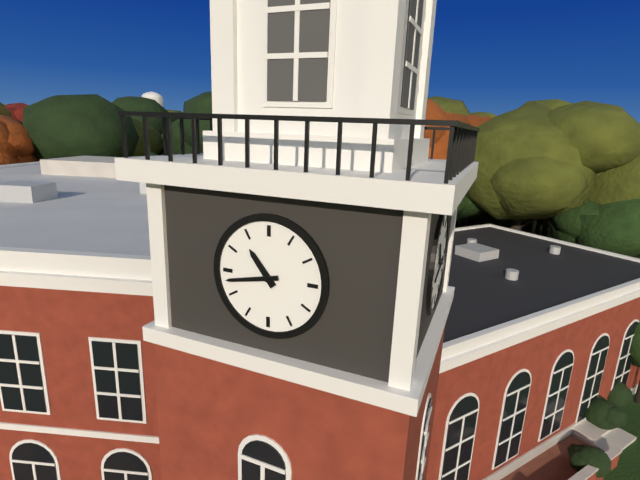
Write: {"hour": 10, "minute": 43}
